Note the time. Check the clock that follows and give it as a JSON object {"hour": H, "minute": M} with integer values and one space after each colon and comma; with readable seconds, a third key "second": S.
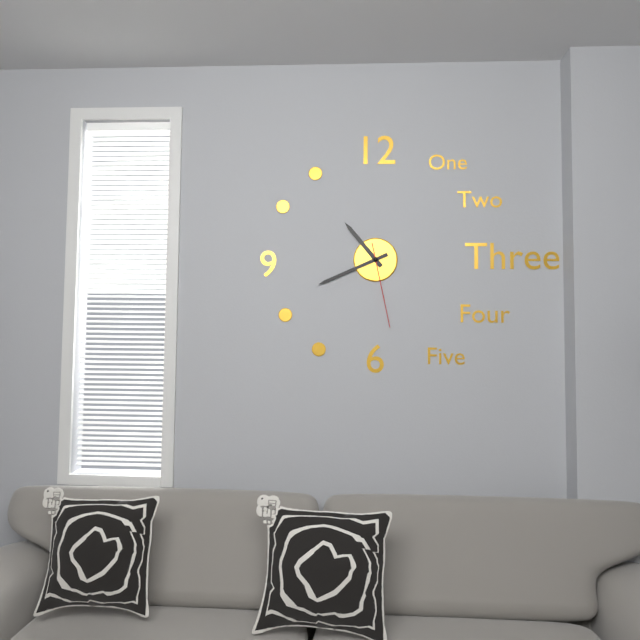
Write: {"hour": 10, "minute": 41, "second": 28}
